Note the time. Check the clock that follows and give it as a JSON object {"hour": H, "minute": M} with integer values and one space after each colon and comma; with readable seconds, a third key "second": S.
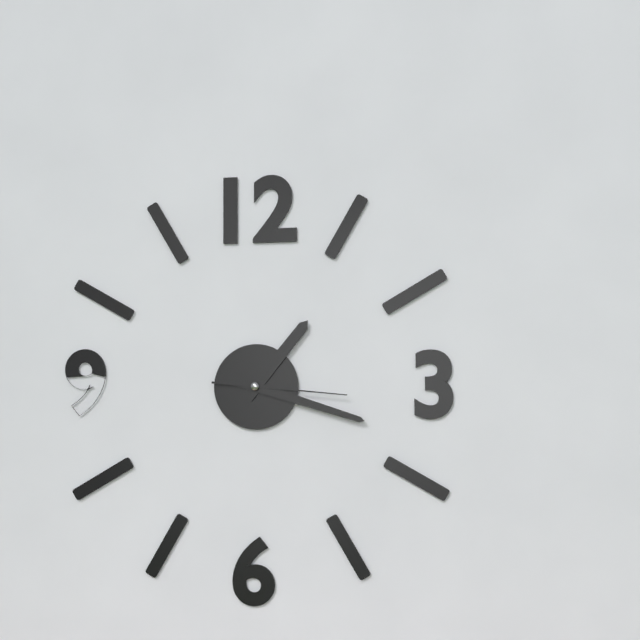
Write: {"hour": 1, "minute": 18, "second": 16}
